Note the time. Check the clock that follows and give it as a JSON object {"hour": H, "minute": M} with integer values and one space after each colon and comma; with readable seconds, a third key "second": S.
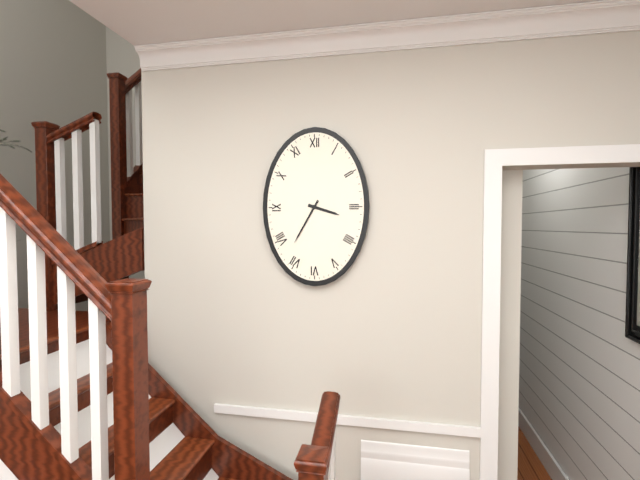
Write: {"hour": 3, "minute": 35}
